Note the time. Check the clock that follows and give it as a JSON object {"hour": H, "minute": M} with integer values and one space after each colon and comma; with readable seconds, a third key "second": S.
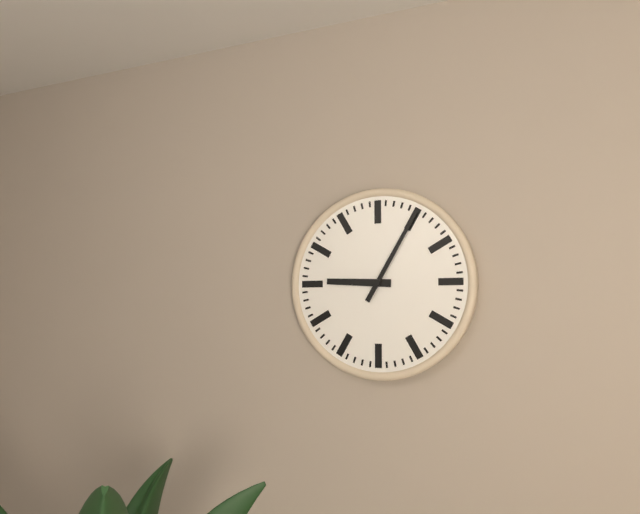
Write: {"hour": 9, "minute": 5}
